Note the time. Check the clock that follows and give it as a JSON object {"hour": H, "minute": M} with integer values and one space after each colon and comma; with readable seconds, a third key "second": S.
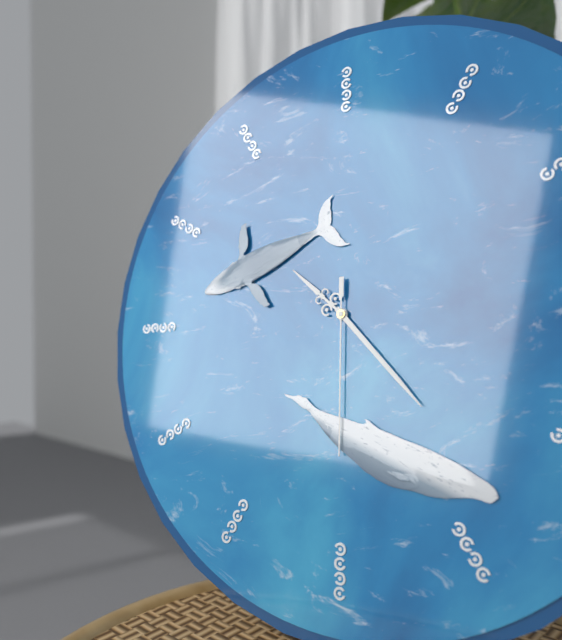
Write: {"hour": 10, "minute": 23, "second": 30}
